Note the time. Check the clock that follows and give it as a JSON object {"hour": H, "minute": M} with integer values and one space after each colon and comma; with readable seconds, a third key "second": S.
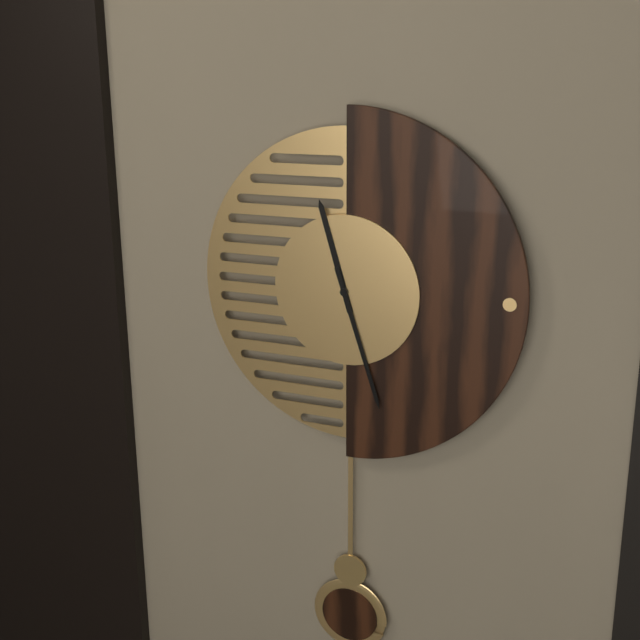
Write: {"hour": 11, "minute": 27}
